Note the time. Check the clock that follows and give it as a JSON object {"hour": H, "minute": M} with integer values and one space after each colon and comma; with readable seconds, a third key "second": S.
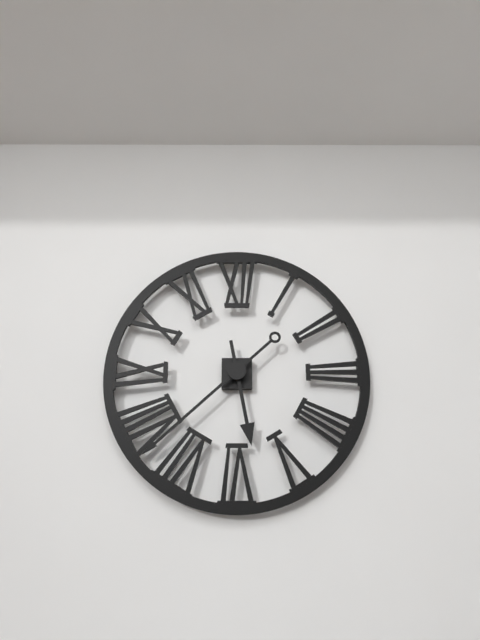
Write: {"hour": 5, "minute": 38}
